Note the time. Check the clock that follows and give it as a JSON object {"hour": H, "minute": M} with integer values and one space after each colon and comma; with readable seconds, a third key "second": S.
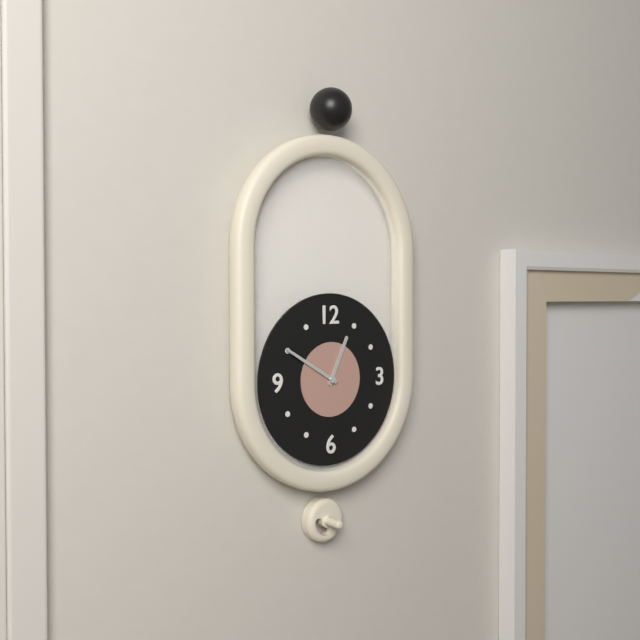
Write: {"hour": 12, "minute": 50}
